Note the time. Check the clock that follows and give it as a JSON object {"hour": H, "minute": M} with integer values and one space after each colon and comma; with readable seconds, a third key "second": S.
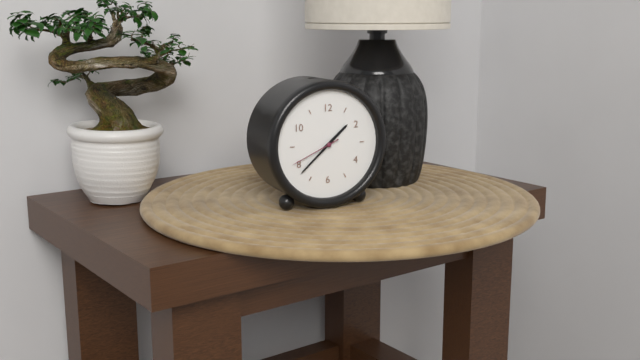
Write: {"hour": 1, "minute": 38, "second": 41}
